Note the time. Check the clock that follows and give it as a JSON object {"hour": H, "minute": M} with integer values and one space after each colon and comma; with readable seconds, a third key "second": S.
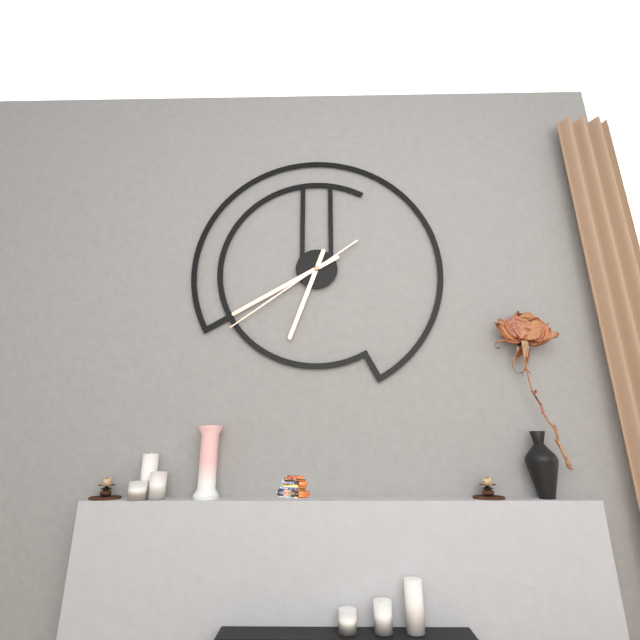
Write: {"hour": 6, "minute": 40, "second": 39}
